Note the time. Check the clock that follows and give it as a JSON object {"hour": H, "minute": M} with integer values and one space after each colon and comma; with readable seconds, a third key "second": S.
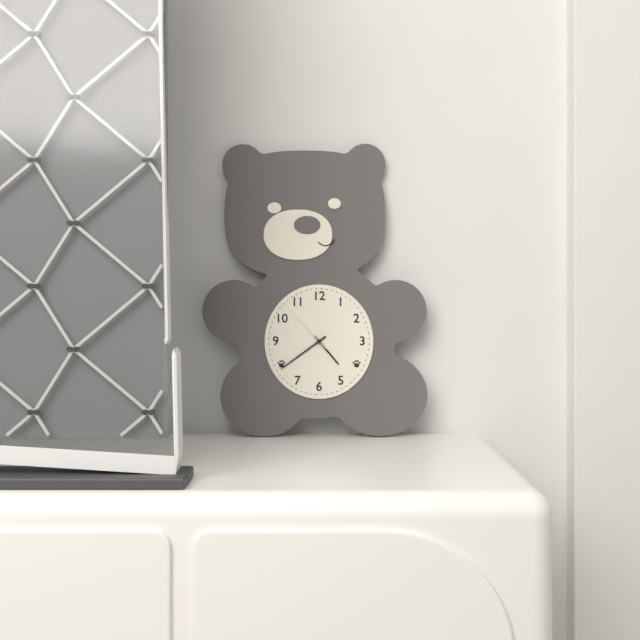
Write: {"hour": 4, "minute": 39, "second": 53}
